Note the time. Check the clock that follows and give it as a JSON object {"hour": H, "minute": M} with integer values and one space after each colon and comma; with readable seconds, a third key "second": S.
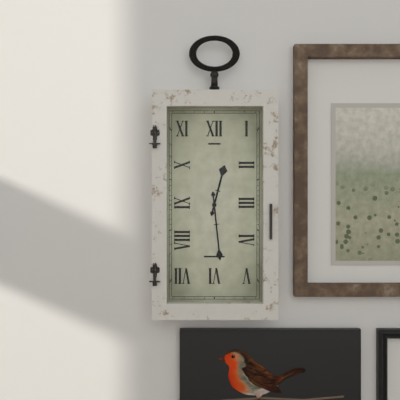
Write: {"hour": 12, "minute": 29}
